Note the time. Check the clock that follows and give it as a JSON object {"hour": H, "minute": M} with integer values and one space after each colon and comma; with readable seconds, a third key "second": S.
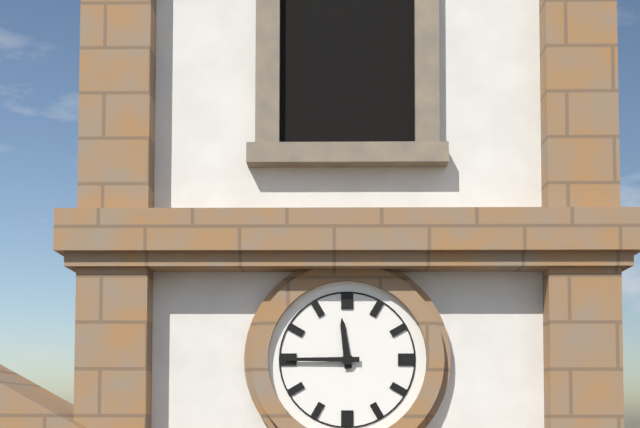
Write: {"hour": 11, "minute": 45}
